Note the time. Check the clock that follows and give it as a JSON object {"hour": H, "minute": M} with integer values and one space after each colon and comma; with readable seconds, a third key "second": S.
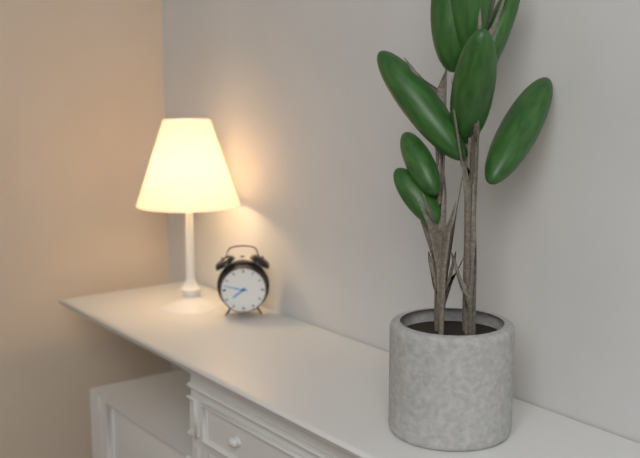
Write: {"hour": 7, "minute": 47}
